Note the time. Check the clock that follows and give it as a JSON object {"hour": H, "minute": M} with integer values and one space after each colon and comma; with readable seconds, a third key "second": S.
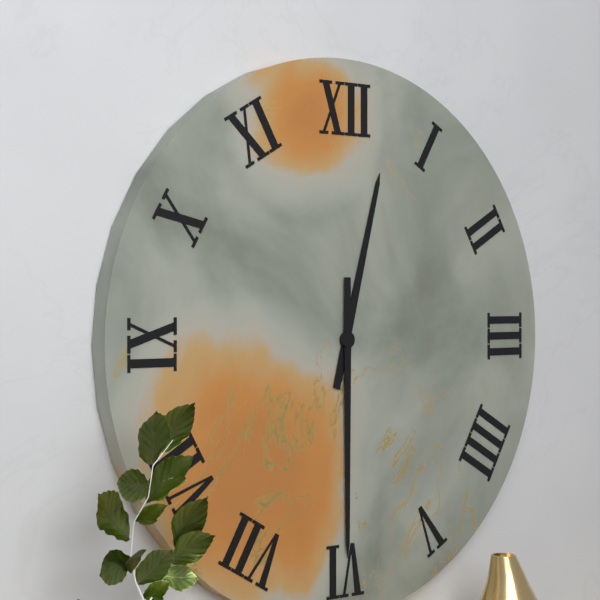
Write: {"hour": 12, "minute": 30}
